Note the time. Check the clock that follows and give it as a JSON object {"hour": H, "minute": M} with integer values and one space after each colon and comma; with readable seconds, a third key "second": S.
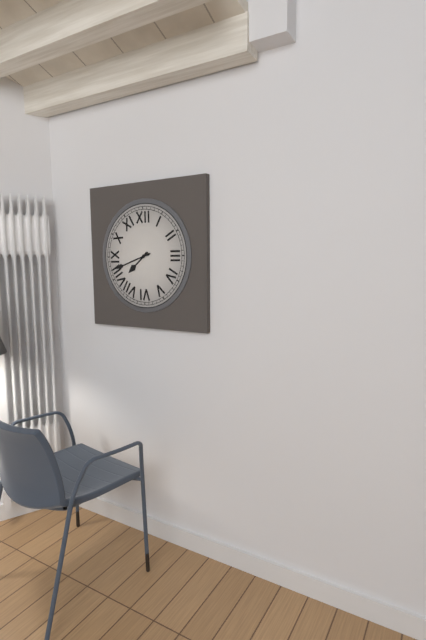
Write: {"hour": 7, "minute": 42}
